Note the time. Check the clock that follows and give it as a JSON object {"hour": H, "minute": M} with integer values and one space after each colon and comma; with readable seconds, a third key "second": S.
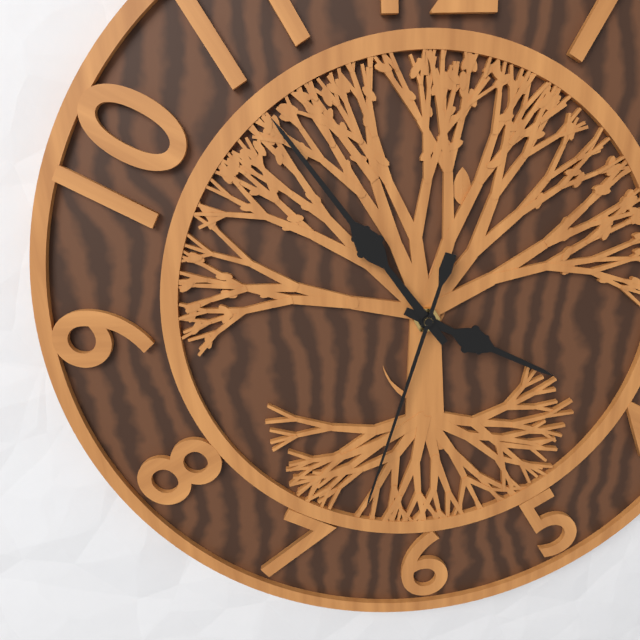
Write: {"hour": 3, "minute": 54, "second": 33}
